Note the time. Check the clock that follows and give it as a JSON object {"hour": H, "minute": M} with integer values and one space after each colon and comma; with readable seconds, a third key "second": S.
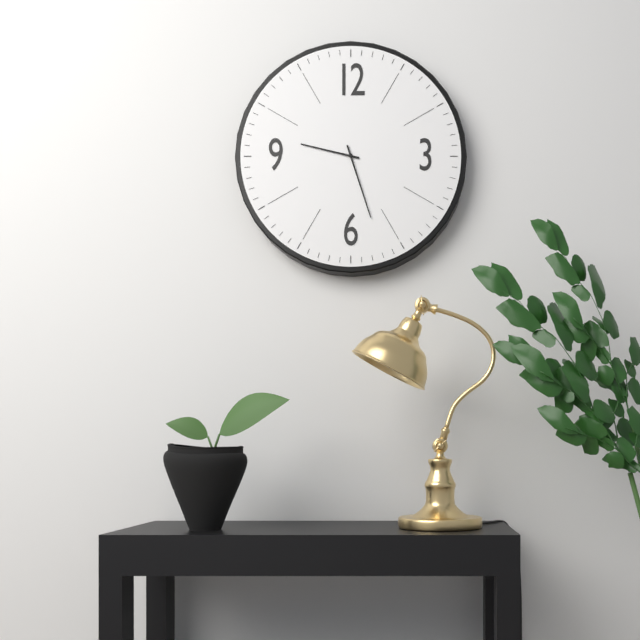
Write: {"hour": 9, "minute": 27}
